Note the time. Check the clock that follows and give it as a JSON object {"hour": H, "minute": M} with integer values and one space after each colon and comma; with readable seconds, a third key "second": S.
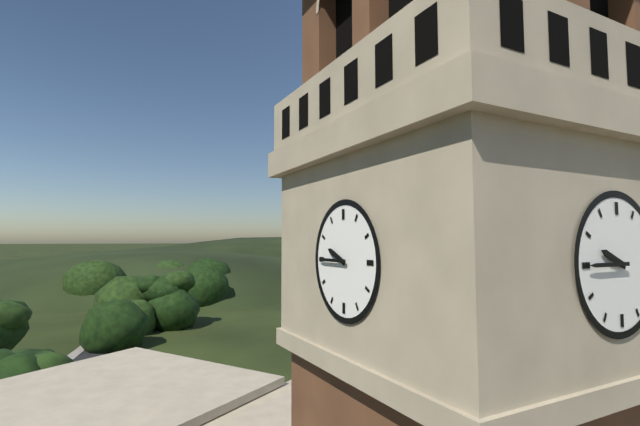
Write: {"hour": 9, "minute": 45}
